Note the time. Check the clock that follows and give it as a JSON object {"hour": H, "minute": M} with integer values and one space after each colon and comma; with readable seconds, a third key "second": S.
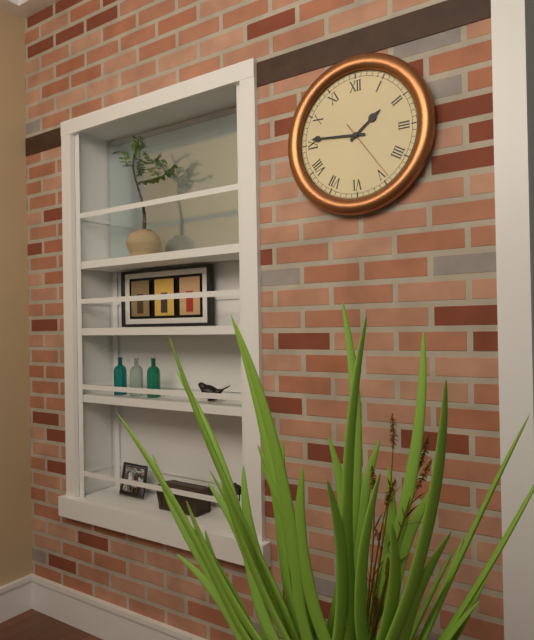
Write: {"hour": 1, "minute": 46, "second": 24}
